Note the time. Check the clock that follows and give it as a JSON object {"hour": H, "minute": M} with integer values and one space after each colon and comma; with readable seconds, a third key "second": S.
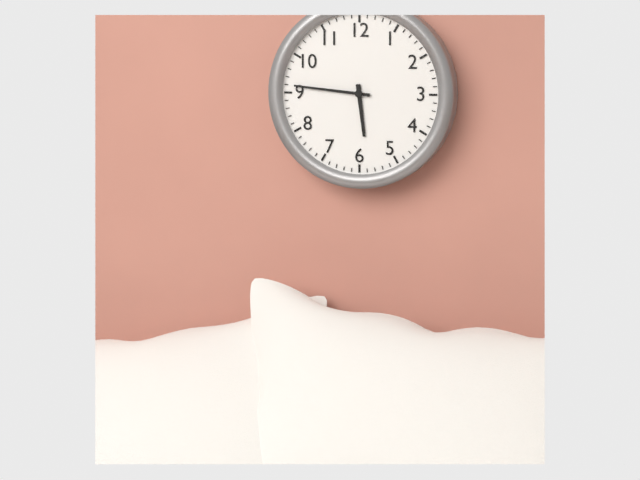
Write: {"hour": 5, "minute": 46}
